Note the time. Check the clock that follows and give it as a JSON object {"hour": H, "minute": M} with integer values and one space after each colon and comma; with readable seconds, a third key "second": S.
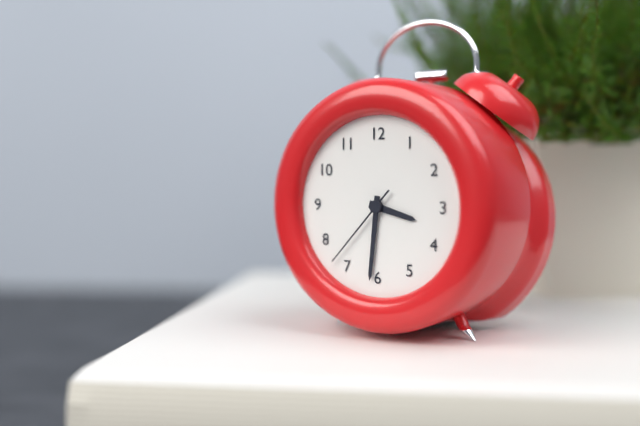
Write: {"hour": 3, "minute": 31, "second": 37}
